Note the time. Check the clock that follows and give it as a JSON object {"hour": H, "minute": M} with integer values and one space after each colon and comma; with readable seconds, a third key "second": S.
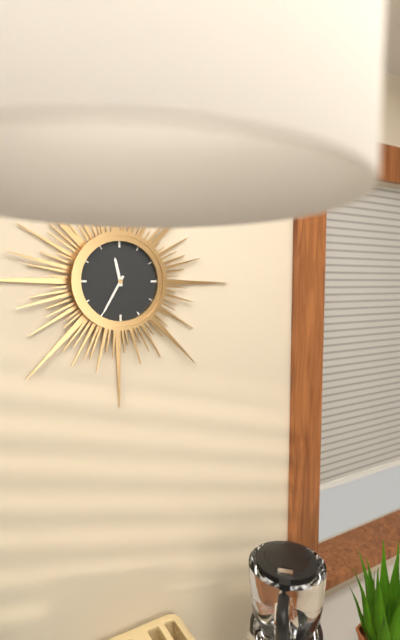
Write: {"hour": 11, "minute": 35}
